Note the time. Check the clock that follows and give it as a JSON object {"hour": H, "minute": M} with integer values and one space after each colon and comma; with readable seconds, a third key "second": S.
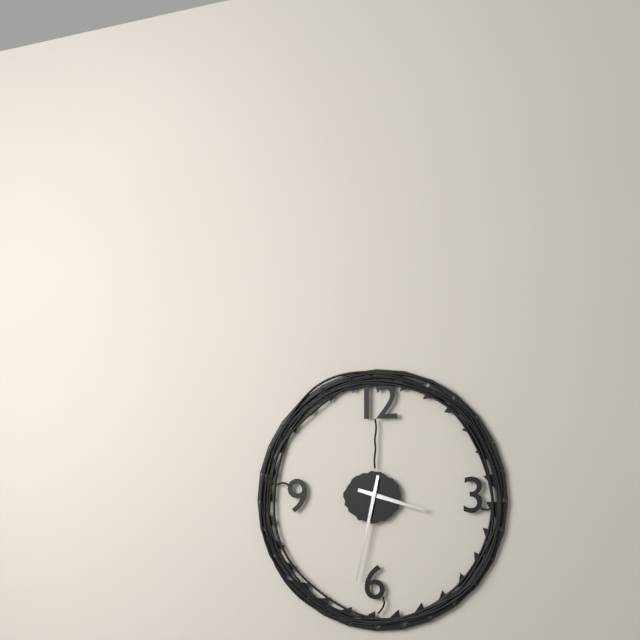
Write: {"hour": 3, "minute": 32}
